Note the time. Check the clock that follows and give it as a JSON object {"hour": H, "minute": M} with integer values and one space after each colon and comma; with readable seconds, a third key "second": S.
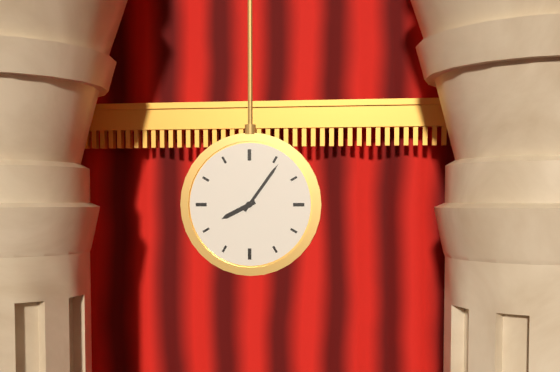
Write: {"hour": 8, "minute": 6}
